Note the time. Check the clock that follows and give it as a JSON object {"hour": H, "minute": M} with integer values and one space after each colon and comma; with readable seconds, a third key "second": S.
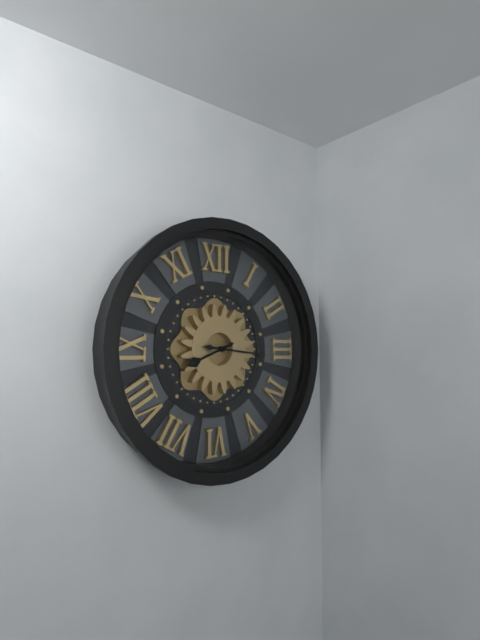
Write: {"hour": 8, "minute": 16}
